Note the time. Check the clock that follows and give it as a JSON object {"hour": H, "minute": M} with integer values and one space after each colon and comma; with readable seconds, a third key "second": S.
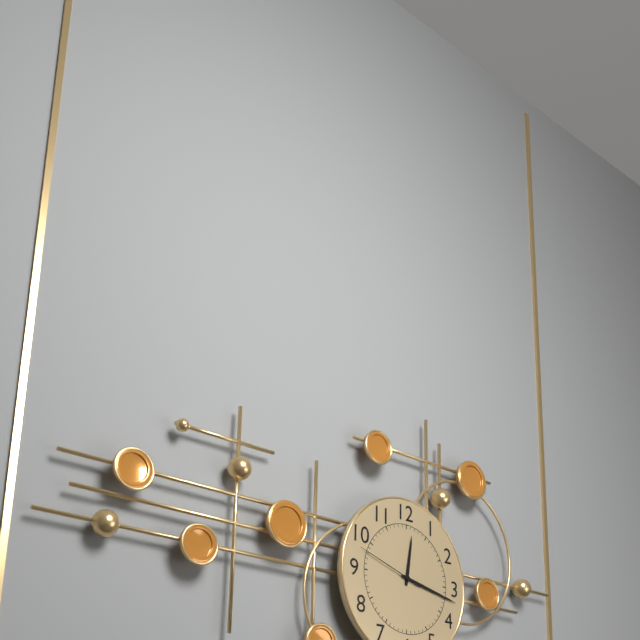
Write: {"hour": 12, "minute": 17, "second": 48}
